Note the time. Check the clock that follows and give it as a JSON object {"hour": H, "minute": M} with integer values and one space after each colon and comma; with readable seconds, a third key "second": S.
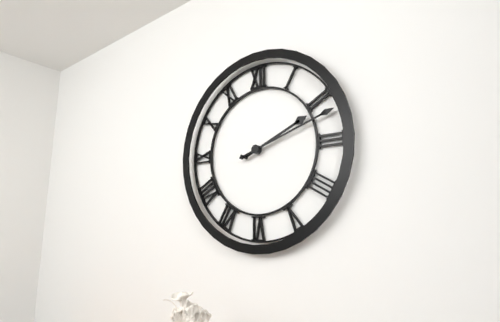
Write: {"hour": 2, "minute": 12}
